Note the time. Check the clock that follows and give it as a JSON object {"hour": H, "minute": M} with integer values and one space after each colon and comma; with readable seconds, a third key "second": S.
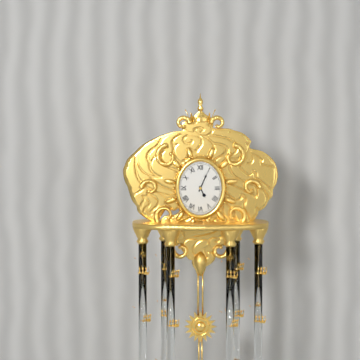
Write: {"hour": 5, "minute": 4}
